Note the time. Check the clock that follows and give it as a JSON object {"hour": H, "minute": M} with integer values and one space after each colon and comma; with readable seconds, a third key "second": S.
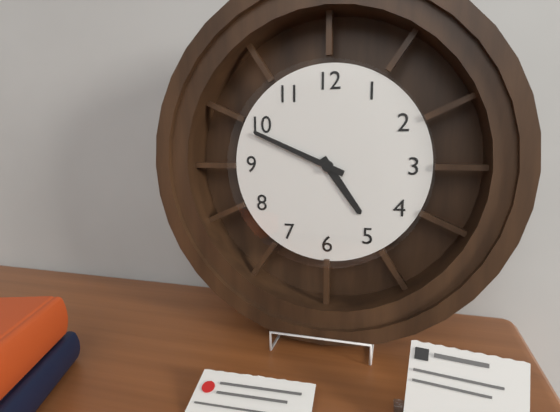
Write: {"hour": 4, "minute": 49}
